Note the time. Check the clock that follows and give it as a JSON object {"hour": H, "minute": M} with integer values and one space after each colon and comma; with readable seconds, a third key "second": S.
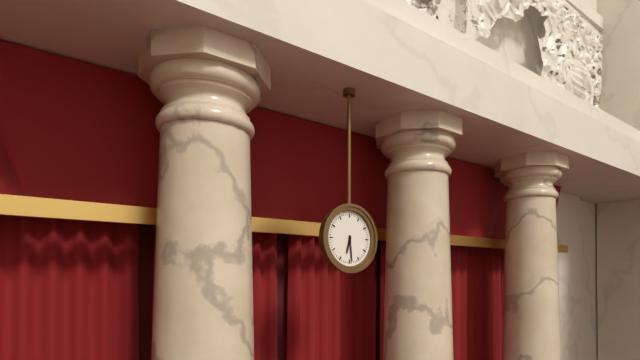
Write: {"hour": 6, "minute": 29}
